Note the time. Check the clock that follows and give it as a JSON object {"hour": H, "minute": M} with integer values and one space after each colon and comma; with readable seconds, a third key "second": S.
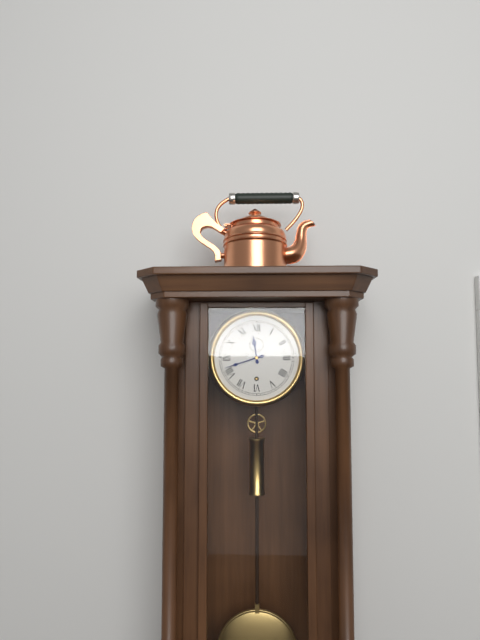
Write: {"hour": 11, "minute": 42}
